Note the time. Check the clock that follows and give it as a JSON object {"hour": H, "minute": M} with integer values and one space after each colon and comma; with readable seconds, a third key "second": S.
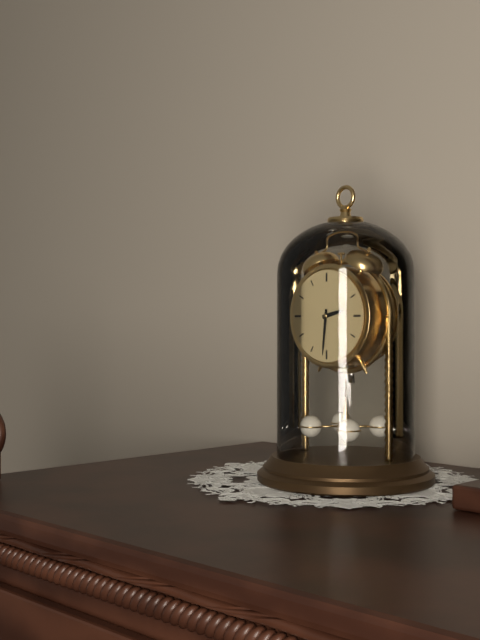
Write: {"hour": 2, "minute": 31}
